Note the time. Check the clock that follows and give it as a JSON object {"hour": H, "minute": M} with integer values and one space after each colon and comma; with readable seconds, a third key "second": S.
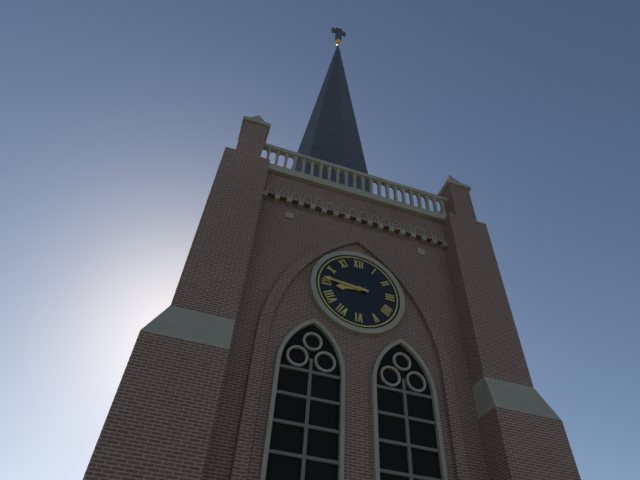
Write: {"hour": 8, "minute": 46}
